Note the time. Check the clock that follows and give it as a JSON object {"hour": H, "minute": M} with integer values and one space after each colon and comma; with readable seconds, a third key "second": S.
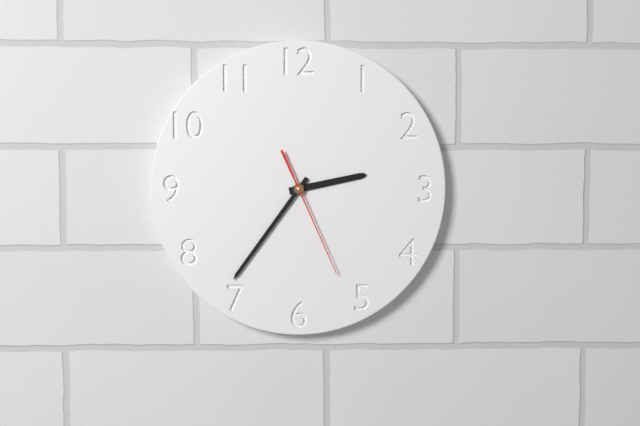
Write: {"hour": 2, "minute": 36, "second": 26}
